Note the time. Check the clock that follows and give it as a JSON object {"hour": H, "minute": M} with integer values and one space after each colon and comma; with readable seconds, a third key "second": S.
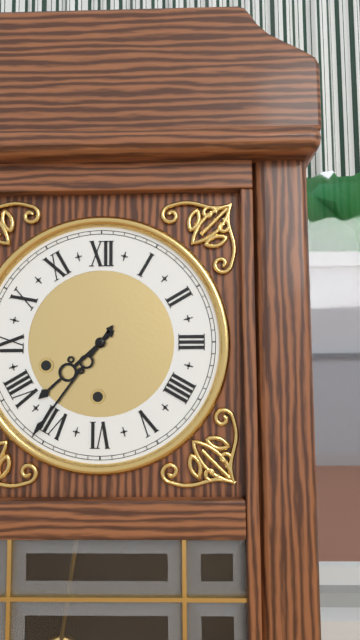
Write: {"hour": 7, "minute": 36}
